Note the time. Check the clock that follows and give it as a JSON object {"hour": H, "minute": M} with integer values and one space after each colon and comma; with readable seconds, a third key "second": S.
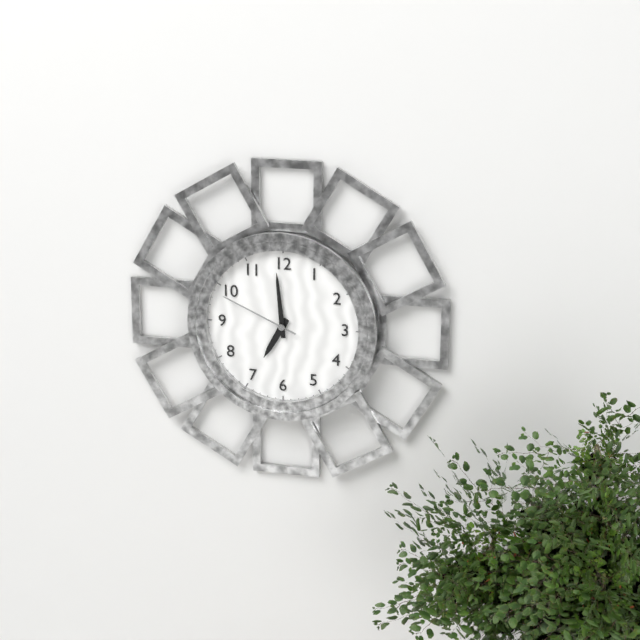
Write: {"hour": 6, "minute": 59, "second": 49}
